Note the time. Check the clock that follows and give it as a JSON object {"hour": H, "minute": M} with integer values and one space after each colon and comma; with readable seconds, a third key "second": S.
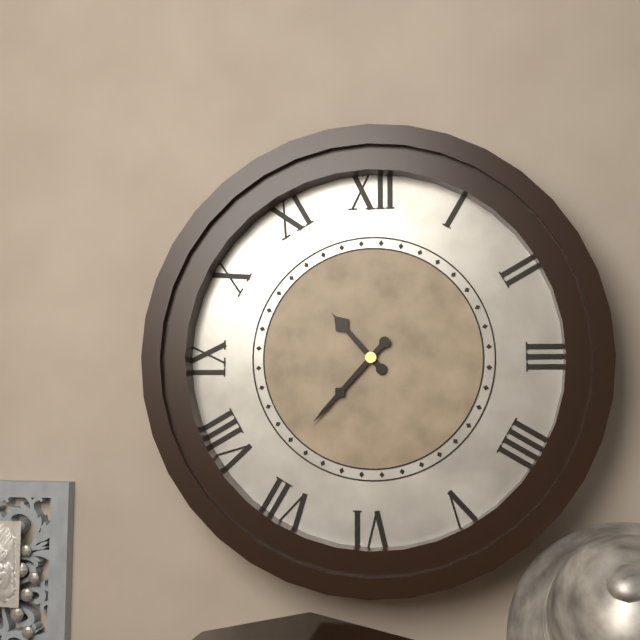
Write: {"hour": 10, "minute": 37}
